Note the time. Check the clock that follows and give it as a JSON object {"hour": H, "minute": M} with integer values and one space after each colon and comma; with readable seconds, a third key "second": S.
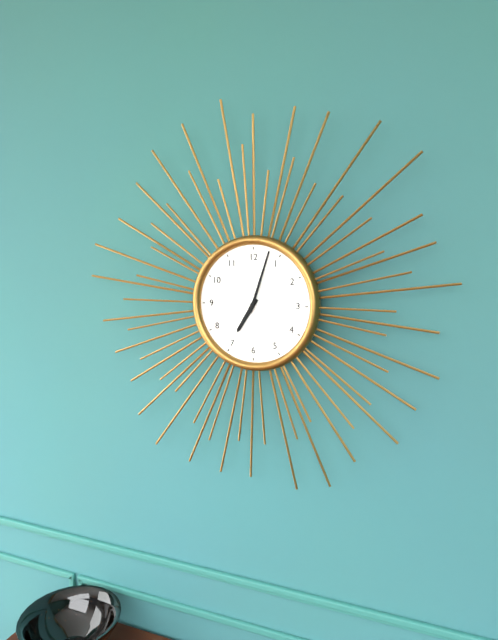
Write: {"hour": 7, "minute": 3}
